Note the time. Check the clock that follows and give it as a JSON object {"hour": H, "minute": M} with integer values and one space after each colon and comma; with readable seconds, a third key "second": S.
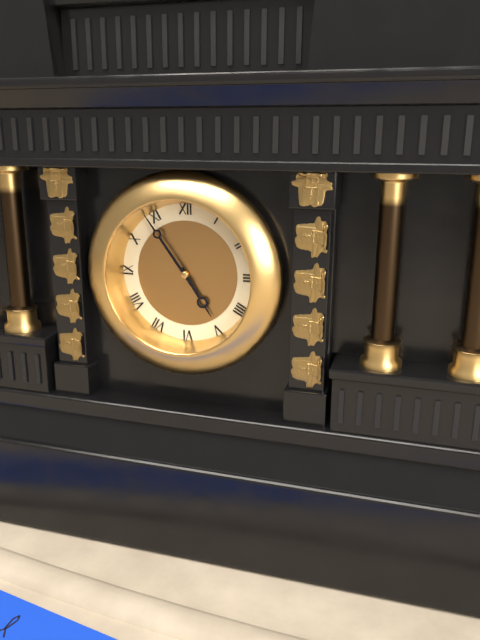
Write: {"hour": 4, "minute": 54}
